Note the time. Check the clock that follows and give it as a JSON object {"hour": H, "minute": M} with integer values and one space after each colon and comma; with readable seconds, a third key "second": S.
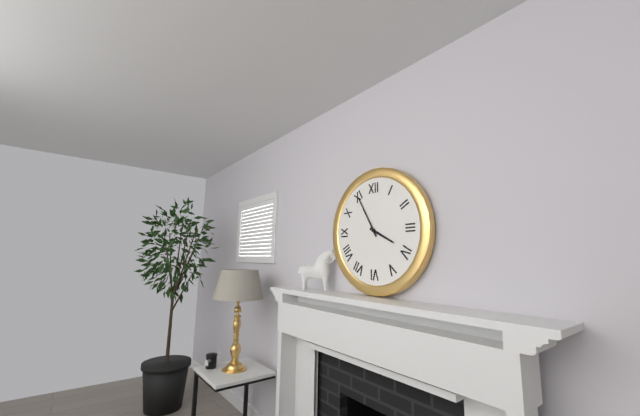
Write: {"hour": 3, "minute": 55}
